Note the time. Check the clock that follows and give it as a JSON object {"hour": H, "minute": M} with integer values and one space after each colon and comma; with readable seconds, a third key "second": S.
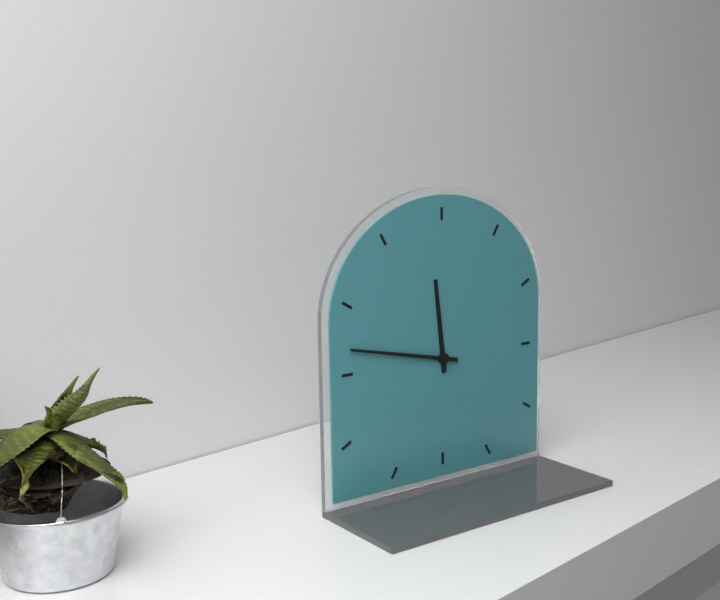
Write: {"hour": 11, "minute": 47}
